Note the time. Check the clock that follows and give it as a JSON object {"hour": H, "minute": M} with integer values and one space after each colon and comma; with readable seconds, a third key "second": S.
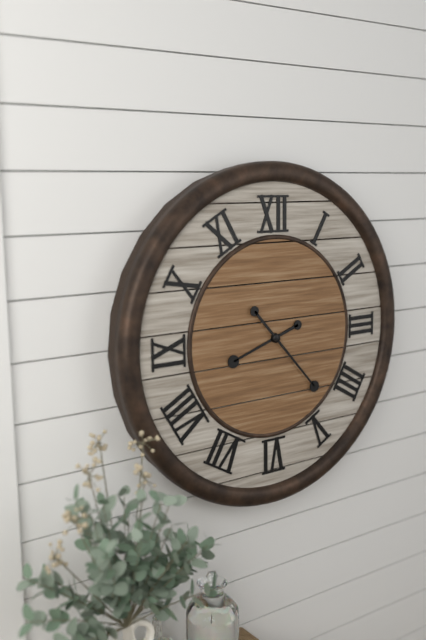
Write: {"hour": 8, "minute": 23}
